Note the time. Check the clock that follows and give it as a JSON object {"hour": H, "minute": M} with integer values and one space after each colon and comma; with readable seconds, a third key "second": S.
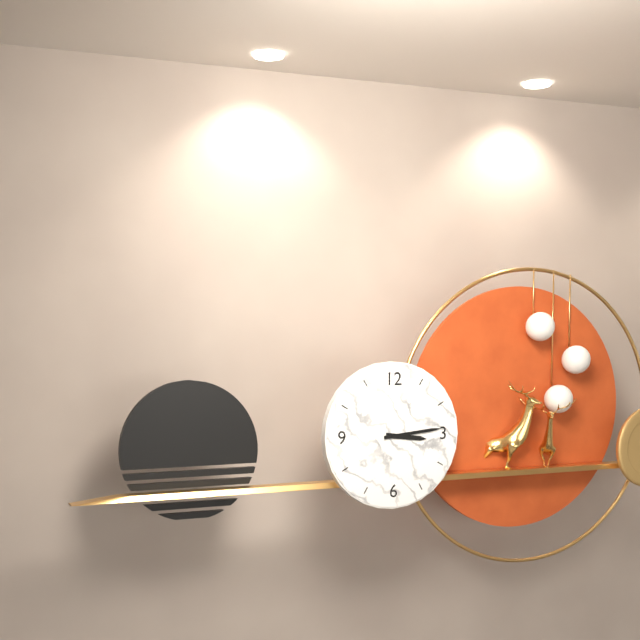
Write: {"hour": 3, "minute": 14}
